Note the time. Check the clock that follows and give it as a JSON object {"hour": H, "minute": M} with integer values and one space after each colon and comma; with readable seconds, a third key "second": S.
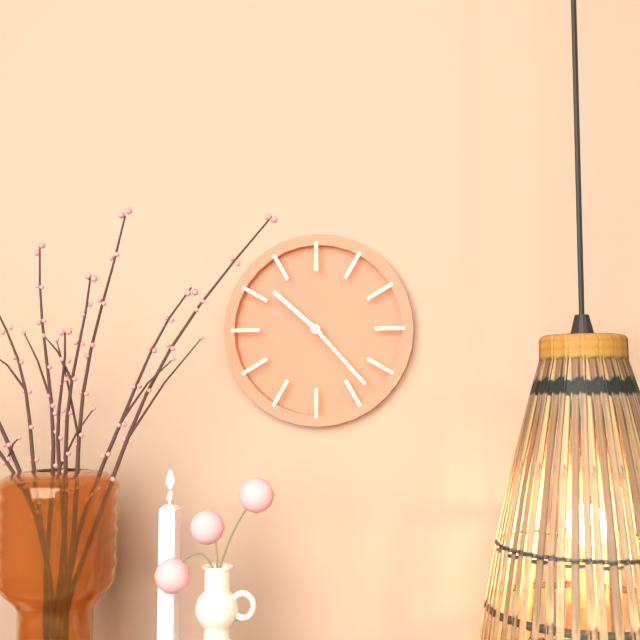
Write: {"hour": 10, "minute": 23}
